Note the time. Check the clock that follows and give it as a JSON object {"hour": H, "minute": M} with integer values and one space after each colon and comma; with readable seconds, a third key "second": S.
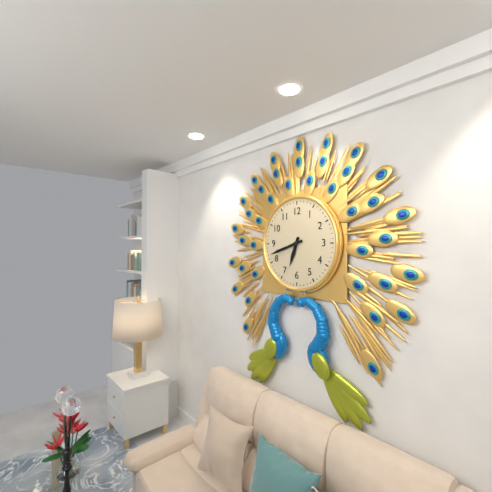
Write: {"hour": 6, "minute": 42}
